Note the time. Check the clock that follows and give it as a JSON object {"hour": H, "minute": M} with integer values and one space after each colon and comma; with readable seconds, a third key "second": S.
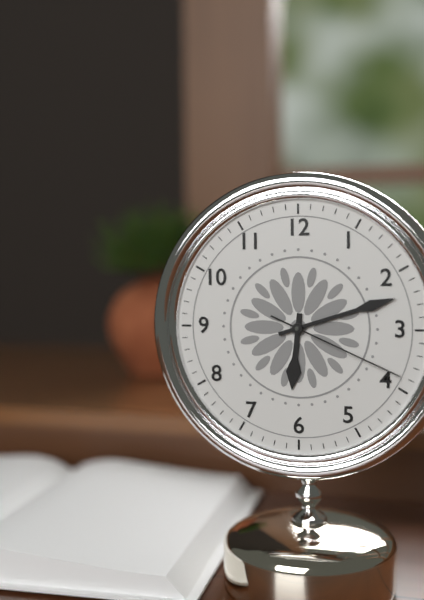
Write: {"hour": 6, "minute": 12, "second": 19}
